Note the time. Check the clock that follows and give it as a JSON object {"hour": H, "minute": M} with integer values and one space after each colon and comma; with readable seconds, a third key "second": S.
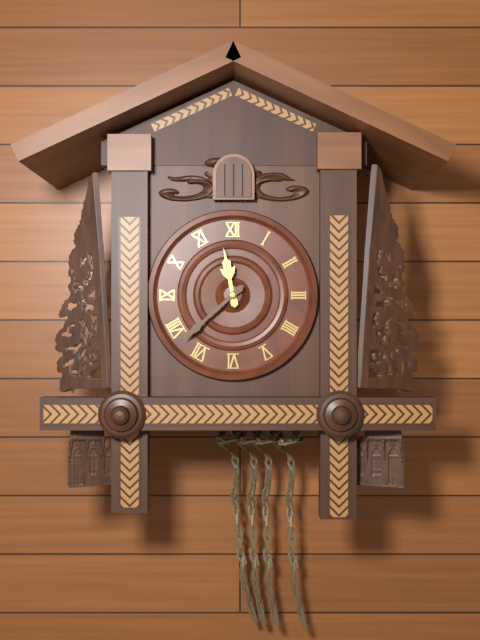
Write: {"hour": 11, "minute": 38}
